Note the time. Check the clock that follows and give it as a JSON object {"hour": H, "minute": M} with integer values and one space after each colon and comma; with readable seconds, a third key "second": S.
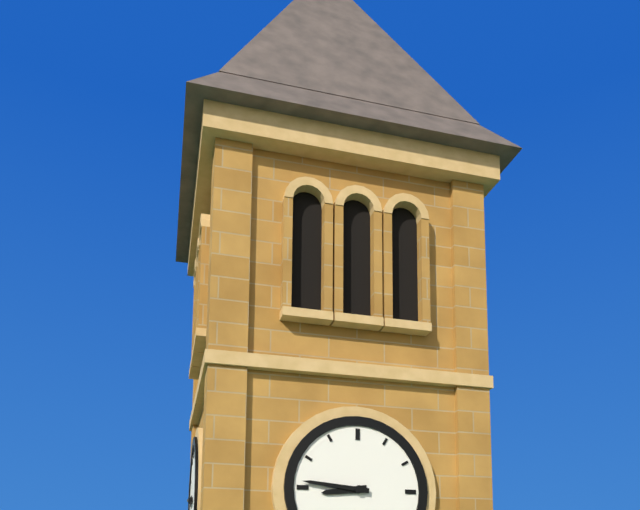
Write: {"hour": 8, "minute": 46}
